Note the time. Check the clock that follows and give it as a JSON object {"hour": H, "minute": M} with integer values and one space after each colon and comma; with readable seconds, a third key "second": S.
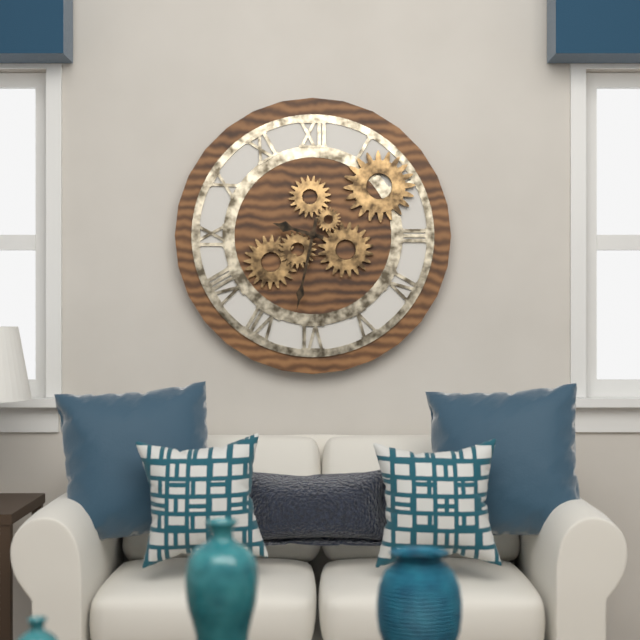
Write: {"hour": 9, "minute": 32}
